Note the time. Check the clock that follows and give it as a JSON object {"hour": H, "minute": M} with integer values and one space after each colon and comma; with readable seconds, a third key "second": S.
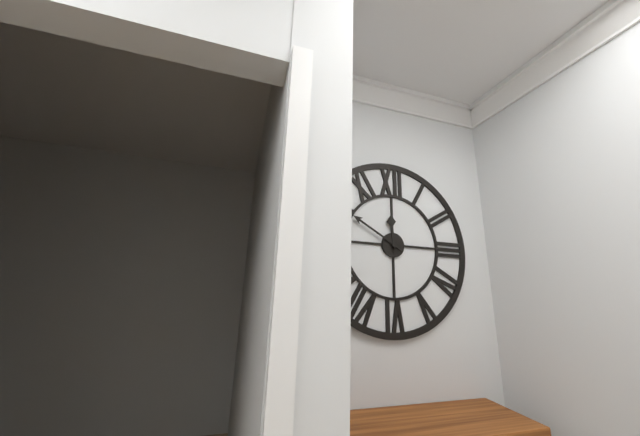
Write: {"hour": 11, "minute": 50}
